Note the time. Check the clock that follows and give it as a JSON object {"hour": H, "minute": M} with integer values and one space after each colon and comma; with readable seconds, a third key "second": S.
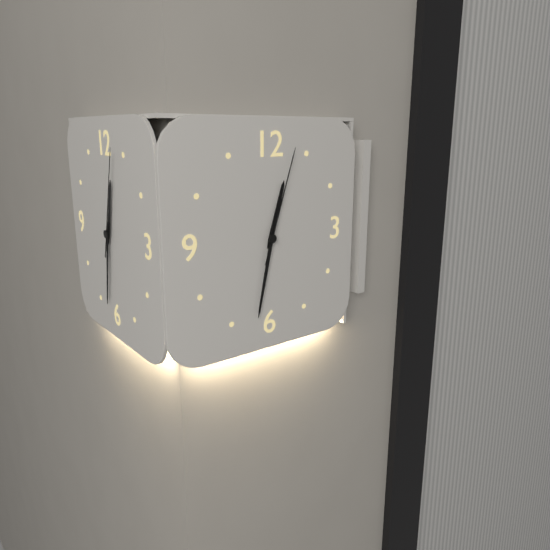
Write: {"hour": 12, "minute": 32, "second": 3}
